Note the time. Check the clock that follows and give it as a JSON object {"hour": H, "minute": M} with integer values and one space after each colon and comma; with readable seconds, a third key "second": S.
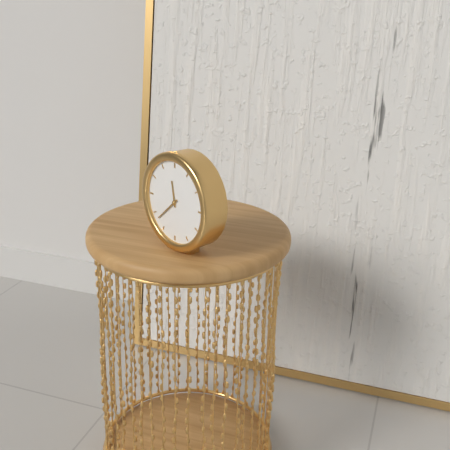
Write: {"hour": 11, "minute": 38}
